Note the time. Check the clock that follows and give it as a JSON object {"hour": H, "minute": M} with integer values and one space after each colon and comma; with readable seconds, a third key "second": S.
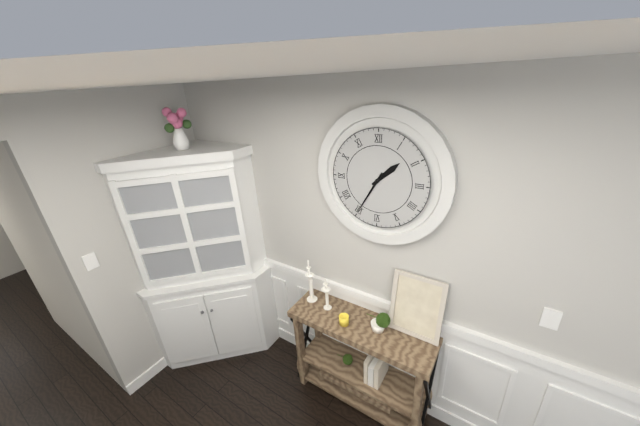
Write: {"hour": 1, "minute": 35}
